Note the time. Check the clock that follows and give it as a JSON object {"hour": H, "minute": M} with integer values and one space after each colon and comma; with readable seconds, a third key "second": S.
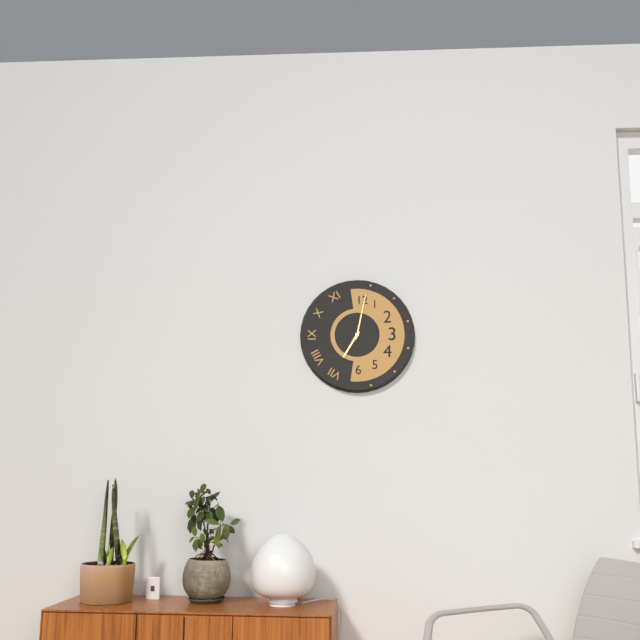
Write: {"hour": 7, "minute": 2}
